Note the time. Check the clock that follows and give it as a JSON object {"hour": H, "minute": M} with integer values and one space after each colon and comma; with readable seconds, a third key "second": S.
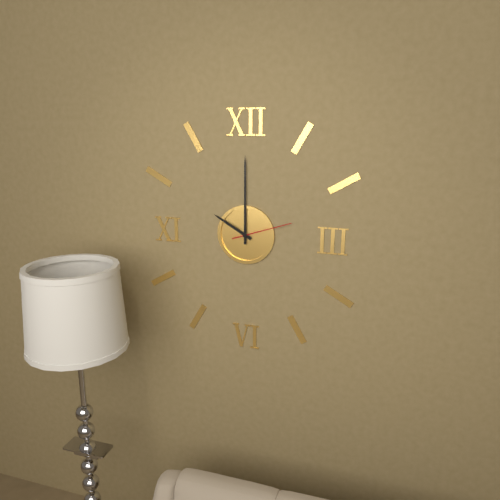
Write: {"hour": 10, "minute": 0, "second": 12}
